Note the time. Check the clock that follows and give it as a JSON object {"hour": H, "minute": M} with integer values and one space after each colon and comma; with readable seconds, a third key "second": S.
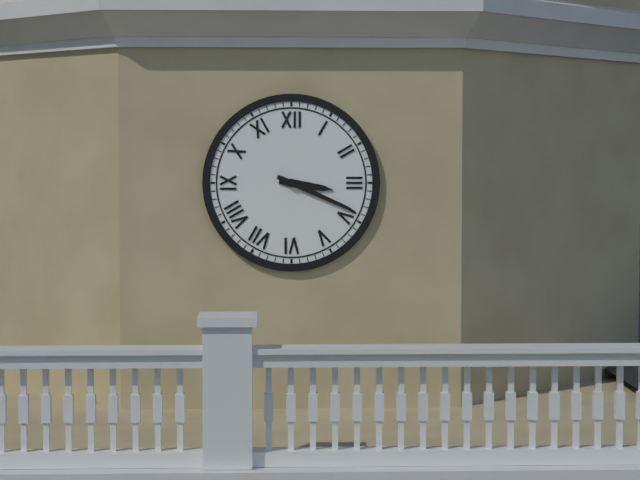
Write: {"hour": 3, "minute": 19}
